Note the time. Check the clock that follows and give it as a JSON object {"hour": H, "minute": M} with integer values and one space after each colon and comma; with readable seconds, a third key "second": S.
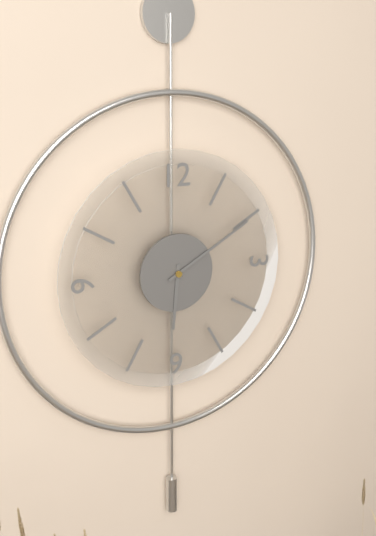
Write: {"hour": 6, "minute": 10}
